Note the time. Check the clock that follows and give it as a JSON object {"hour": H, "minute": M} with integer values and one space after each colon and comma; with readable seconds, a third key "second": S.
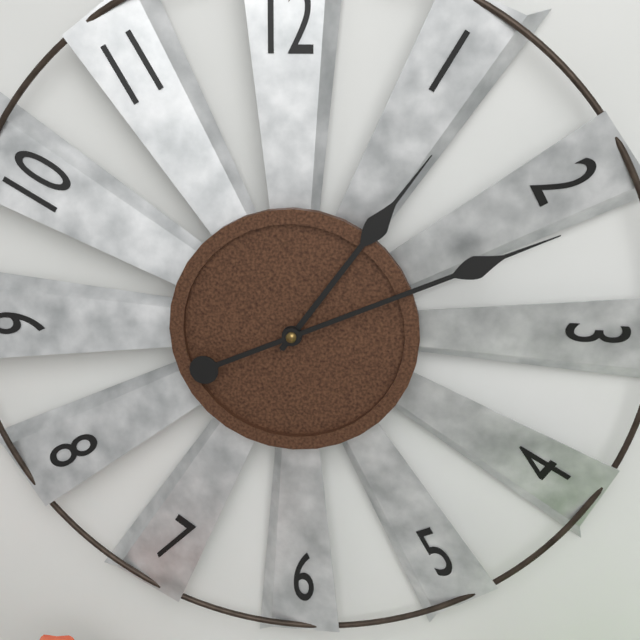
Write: {"hour": 1, "minute": 11}
